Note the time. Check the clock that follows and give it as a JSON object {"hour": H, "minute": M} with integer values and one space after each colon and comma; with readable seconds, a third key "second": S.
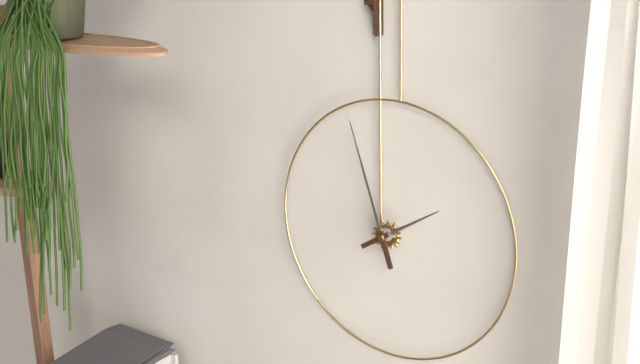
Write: {"hour": 1, "minute": 57}
